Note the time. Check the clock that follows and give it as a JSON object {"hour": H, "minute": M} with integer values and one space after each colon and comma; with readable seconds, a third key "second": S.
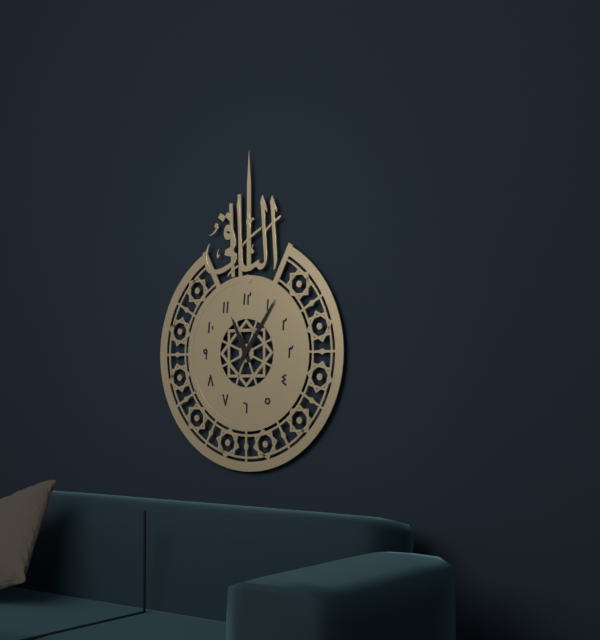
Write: {"hour": 11, "minute": 6}
